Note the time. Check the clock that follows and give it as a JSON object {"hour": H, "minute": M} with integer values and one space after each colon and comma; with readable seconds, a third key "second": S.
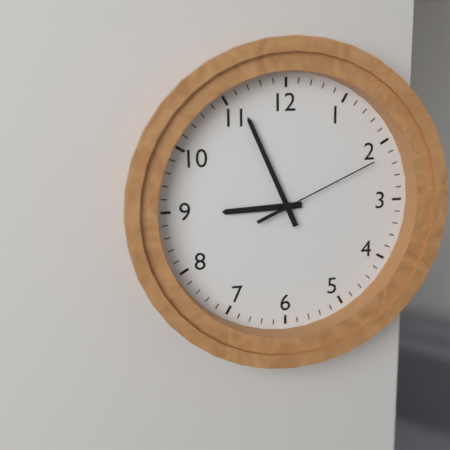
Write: {"hour": 8, "minute": 56, "second": 11}
